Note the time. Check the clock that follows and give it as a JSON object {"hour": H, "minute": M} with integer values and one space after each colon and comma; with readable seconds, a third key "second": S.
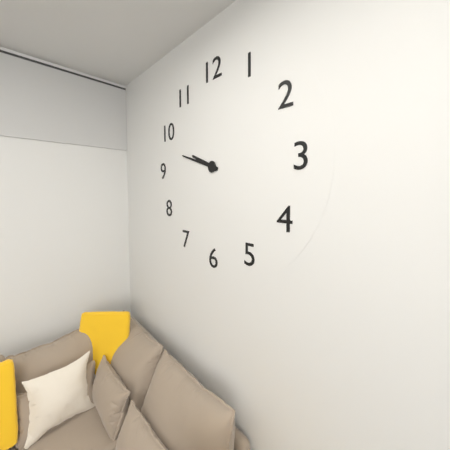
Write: {"hour": 9, "minute": 48}
